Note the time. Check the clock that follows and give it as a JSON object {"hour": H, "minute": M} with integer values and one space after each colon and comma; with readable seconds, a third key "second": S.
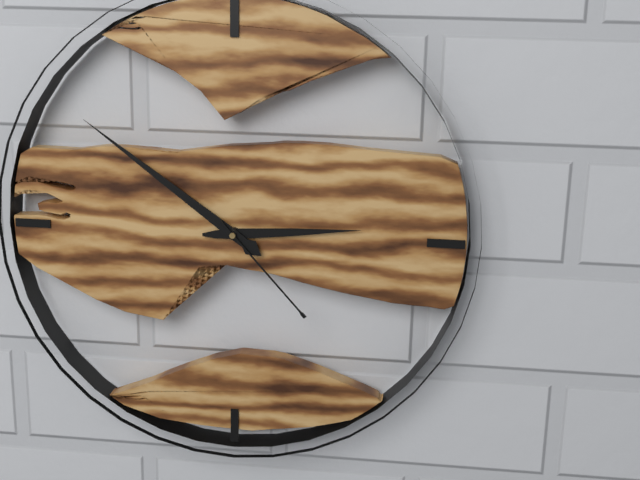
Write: {"hour": 2, "minute": 51, "second": 23}
